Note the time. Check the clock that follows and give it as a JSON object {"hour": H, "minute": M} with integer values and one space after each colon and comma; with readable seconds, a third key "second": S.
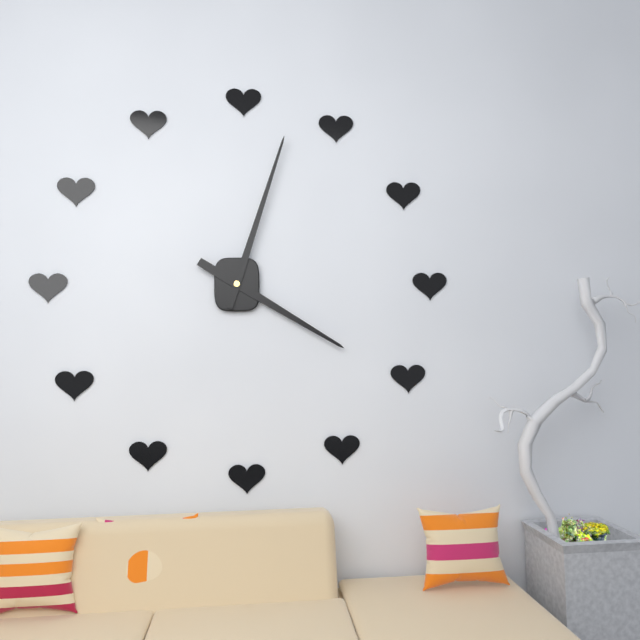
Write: {"hour": 4, "minute": 3}
